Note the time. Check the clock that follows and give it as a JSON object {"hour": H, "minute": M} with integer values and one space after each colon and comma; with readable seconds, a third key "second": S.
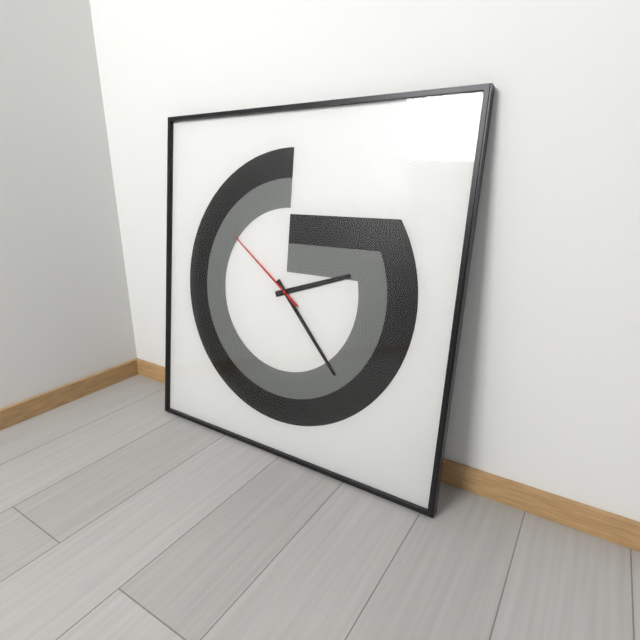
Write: {"hour": 2, "minute": 23, "second": 51}
